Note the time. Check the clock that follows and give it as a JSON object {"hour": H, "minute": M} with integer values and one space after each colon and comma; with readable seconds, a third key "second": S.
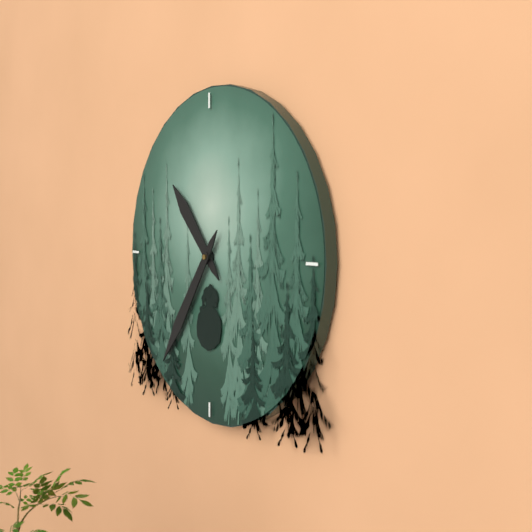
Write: {"hour": 10, "minute": 36}
